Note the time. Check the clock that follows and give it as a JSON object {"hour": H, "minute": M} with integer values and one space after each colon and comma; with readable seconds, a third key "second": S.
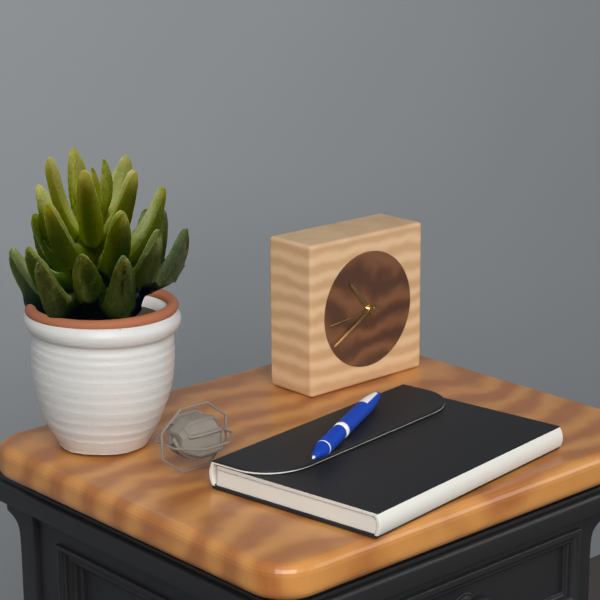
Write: {"hour": 10, "minute": 40}
